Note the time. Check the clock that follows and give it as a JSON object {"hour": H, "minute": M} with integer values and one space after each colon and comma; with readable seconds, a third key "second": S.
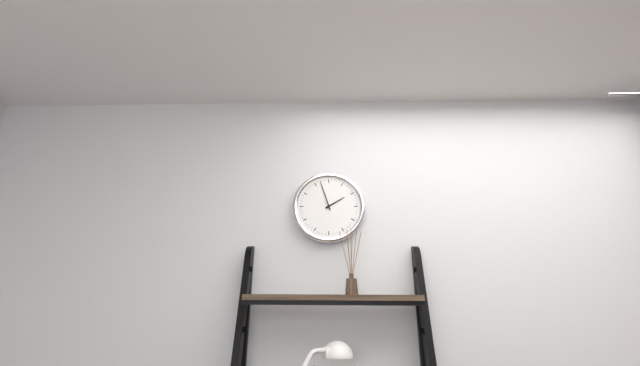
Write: {"hour": 1, "minute": 57}
